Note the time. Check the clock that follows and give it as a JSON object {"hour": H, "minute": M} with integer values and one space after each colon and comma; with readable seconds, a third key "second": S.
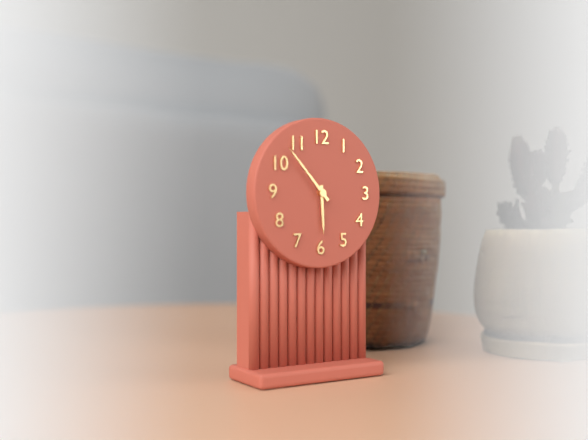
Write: {"hour": 5, "minute": 53}
